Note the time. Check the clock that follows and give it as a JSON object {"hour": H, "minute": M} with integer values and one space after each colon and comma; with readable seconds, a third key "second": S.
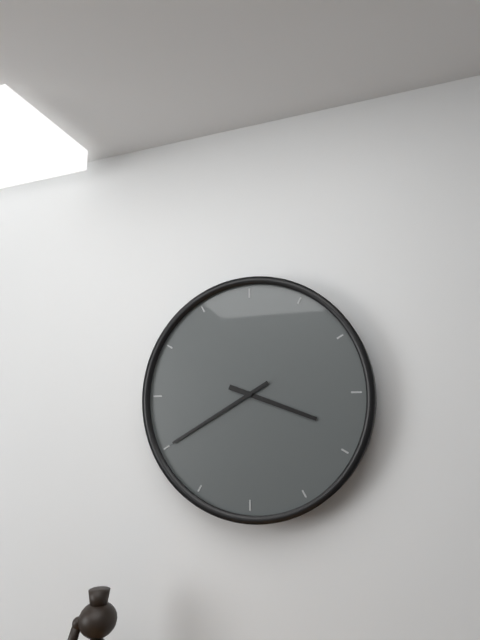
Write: {"hour": 3, "minute": 40}
